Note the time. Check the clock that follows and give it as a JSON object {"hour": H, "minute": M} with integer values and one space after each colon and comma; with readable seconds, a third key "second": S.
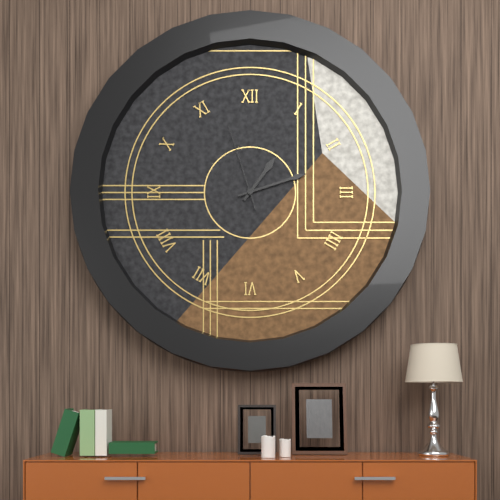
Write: {"hour": 1, "minute": 12, "second": 57}
